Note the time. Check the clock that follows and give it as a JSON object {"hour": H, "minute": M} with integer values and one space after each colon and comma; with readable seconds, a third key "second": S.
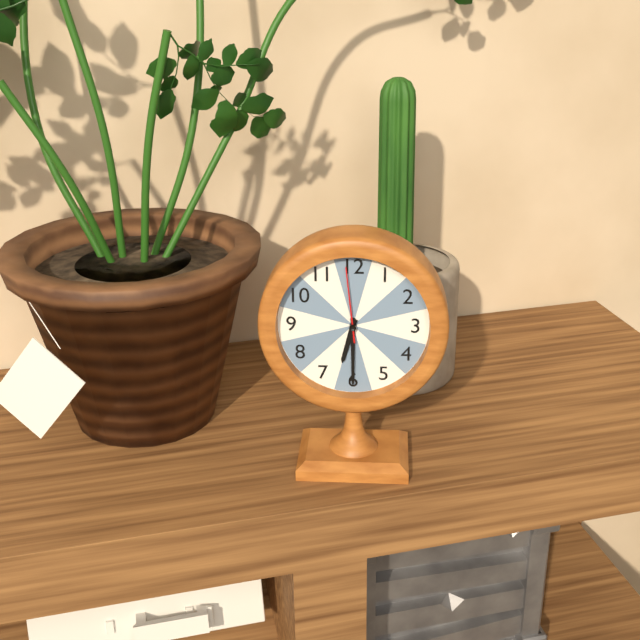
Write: {"hour": 6, "minute": 30, "second": 59}
